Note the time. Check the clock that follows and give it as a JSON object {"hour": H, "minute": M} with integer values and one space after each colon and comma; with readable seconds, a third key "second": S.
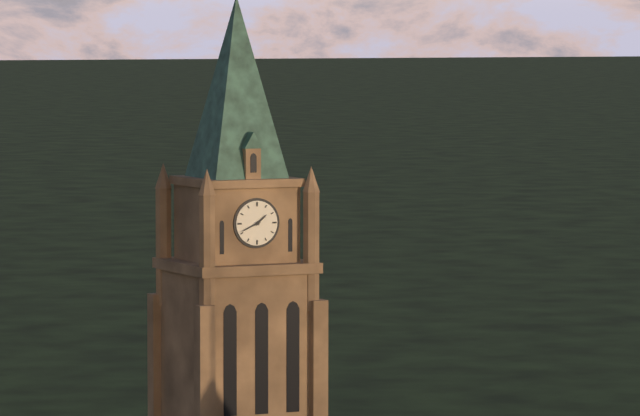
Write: {"hour": 1, "minute": 41}
